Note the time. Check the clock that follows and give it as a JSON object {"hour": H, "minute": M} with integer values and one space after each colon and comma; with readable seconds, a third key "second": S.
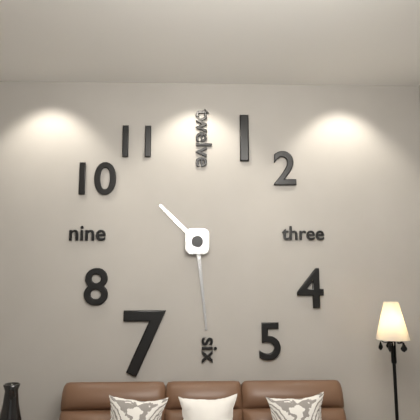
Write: {"hour": 10, "minute": 29}
